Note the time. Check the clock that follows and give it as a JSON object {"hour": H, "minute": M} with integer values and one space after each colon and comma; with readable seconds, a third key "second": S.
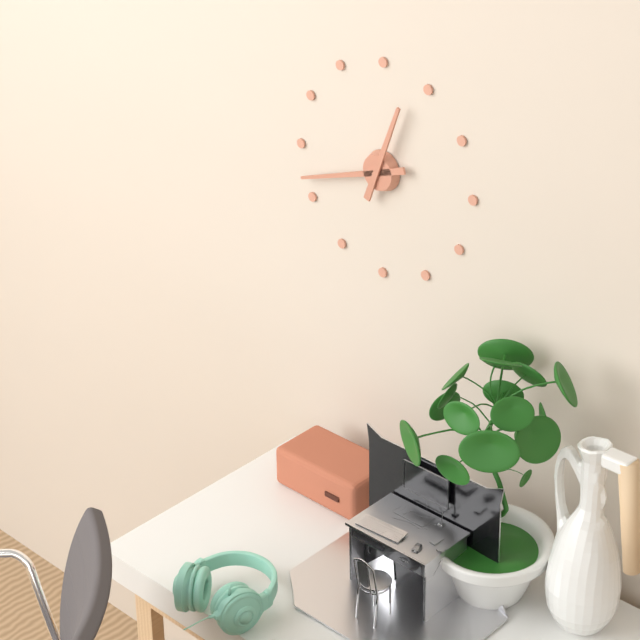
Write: {"hour": 12, "minute": 42}
